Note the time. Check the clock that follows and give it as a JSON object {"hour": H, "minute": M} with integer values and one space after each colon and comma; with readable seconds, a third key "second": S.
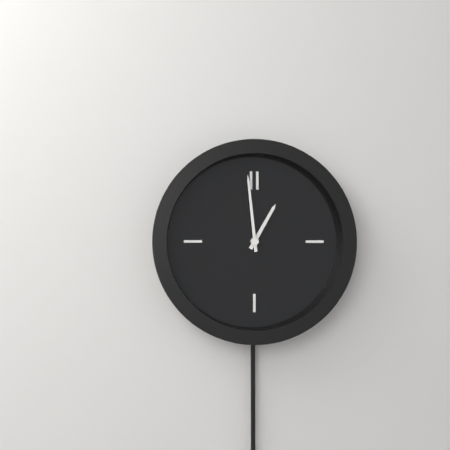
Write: {"hour": 12, "minute": 59}
